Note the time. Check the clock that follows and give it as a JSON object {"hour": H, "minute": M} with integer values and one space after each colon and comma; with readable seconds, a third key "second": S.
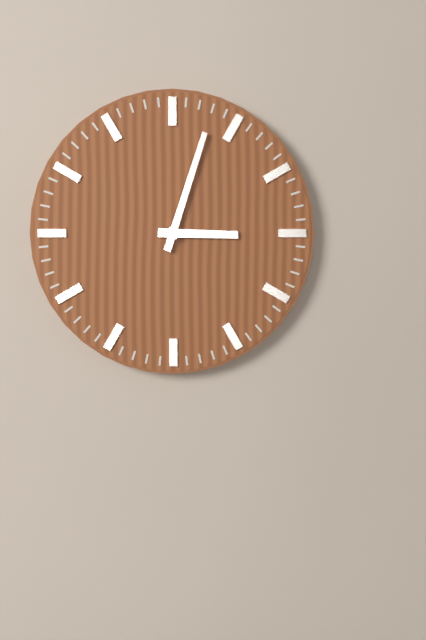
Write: {"hour": 3, "minute": 3}
